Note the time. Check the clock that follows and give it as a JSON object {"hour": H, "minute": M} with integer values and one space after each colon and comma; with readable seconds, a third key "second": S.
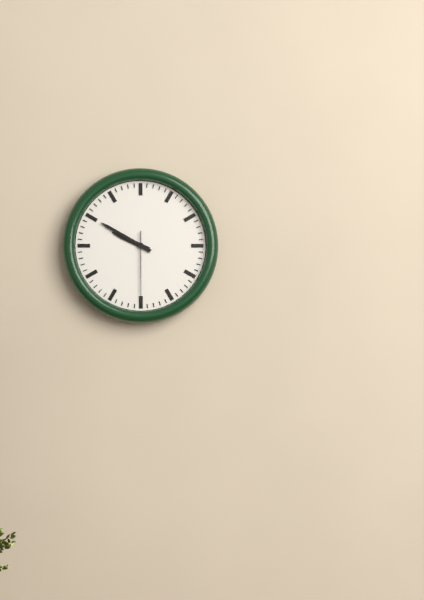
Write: {"hour": 9, "minute": 50, "second": 30}
